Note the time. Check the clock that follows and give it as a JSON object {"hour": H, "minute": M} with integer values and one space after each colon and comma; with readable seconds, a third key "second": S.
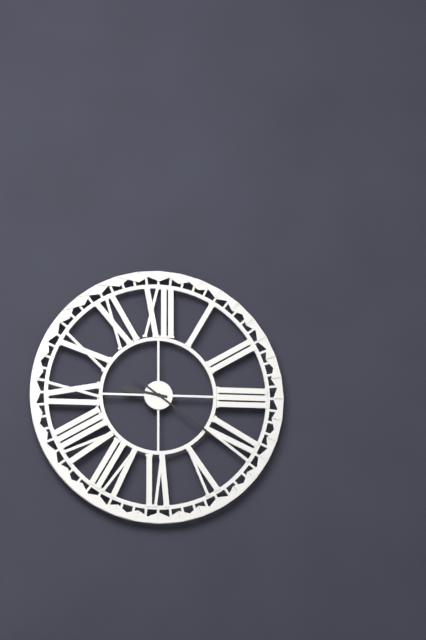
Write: {"hour": 9, "minute": 21}
